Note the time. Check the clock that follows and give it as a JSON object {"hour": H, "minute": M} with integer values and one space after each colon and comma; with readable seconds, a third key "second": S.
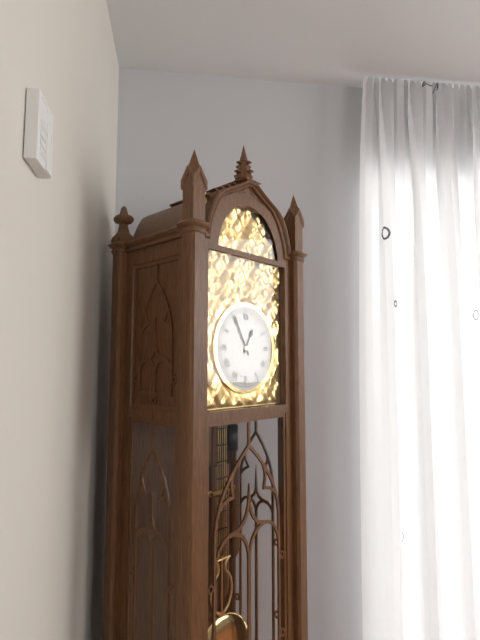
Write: {"hour": 12, "minute": 55}
